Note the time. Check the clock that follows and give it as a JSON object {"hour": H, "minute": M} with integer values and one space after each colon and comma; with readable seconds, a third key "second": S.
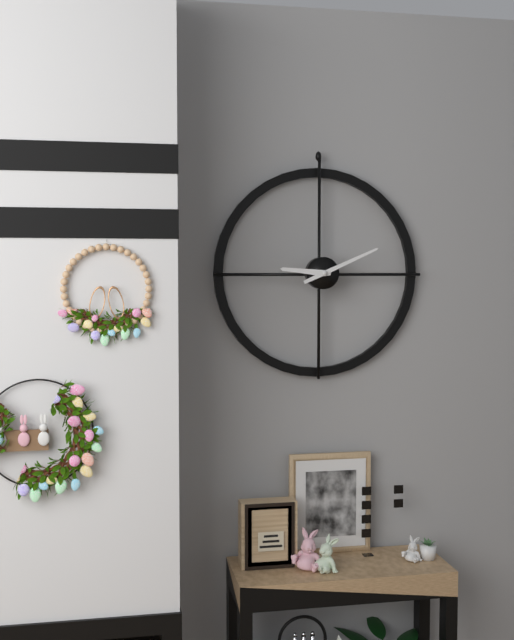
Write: {"hour": 9, "minute": 11}
